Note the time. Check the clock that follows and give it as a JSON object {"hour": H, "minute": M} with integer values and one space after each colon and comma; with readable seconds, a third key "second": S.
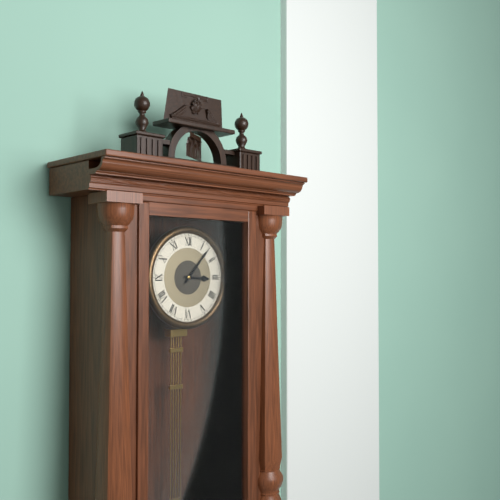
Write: {"hour": 3, "minute": 7}
